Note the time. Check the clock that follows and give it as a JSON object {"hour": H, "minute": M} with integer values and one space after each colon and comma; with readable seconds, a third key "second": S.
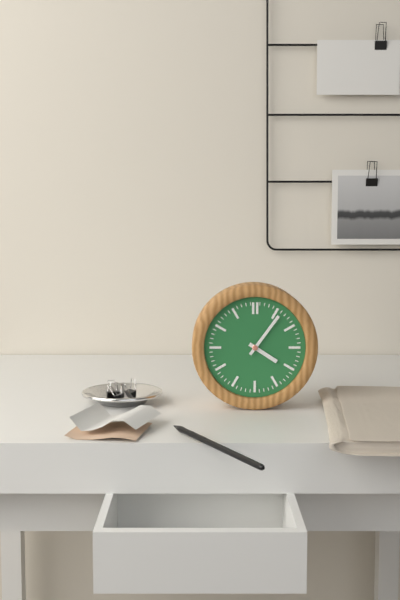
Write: {"hour": 4, "minute": 6}
